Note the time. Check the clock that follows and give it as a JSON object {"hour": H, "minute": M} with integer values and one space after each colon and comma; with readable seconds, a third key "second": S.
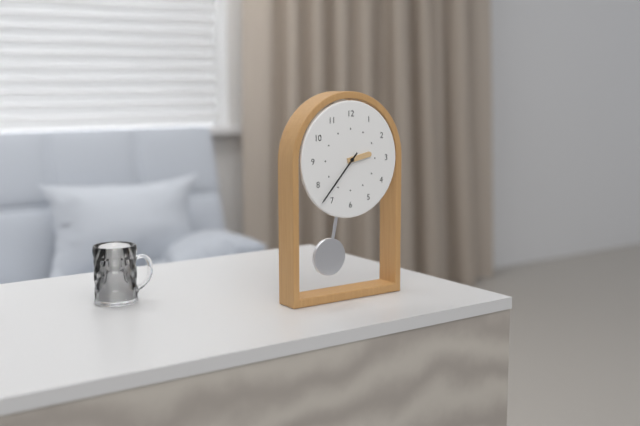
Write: {"hour": 2, "minute": 37}
